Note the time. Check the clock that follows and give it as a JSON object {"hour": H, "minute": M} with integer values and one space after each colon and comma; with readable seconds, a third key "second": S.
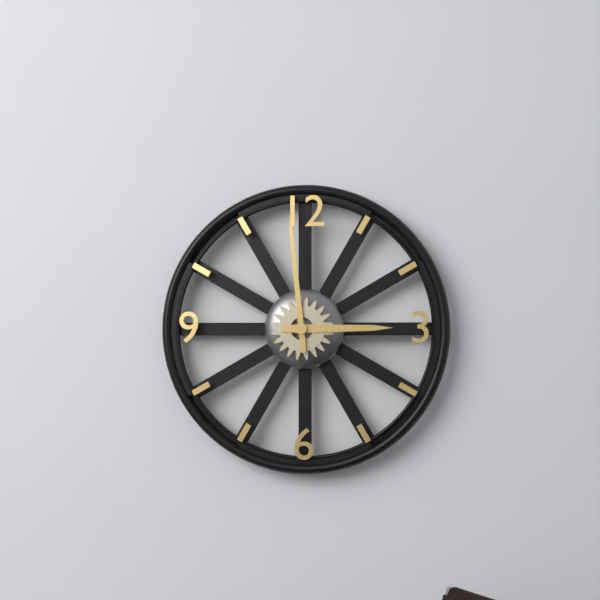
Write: {"hour": 2, "minute": 59}
